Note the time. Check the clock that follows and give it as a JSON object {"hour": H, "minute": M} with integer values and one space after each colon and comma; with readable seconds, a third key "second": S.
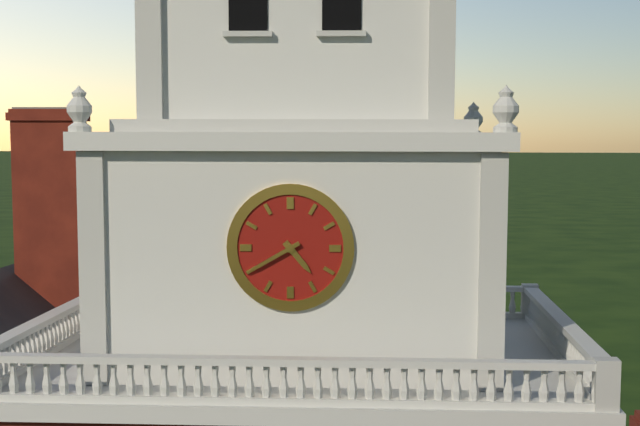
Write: {"hour": 4, "minute": 40}
